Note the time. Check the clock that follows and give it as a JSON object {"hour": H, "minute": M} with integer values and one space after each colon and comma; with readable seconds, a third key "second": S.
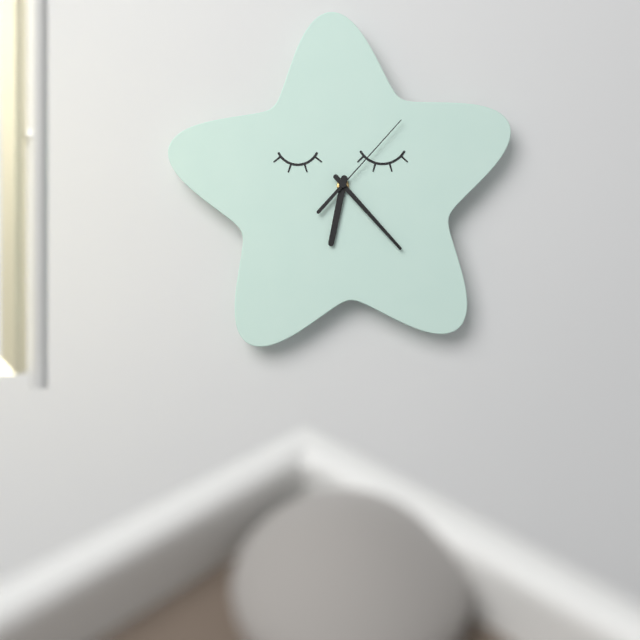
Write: {"hour": 6, "minute": 23, "second": 7}
